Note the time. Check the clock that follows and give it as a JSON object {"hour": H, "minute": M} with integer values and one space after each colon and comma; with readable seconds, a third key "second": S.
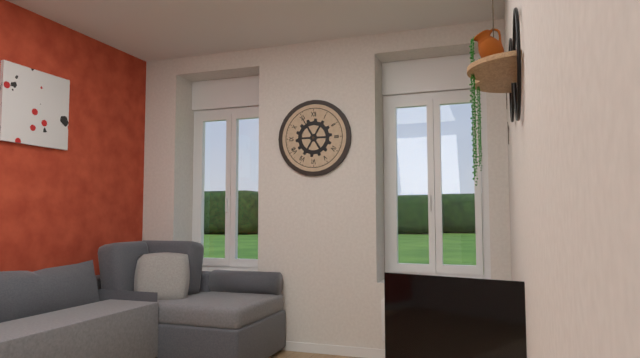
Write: {"hour": 4, "minute": 55}
